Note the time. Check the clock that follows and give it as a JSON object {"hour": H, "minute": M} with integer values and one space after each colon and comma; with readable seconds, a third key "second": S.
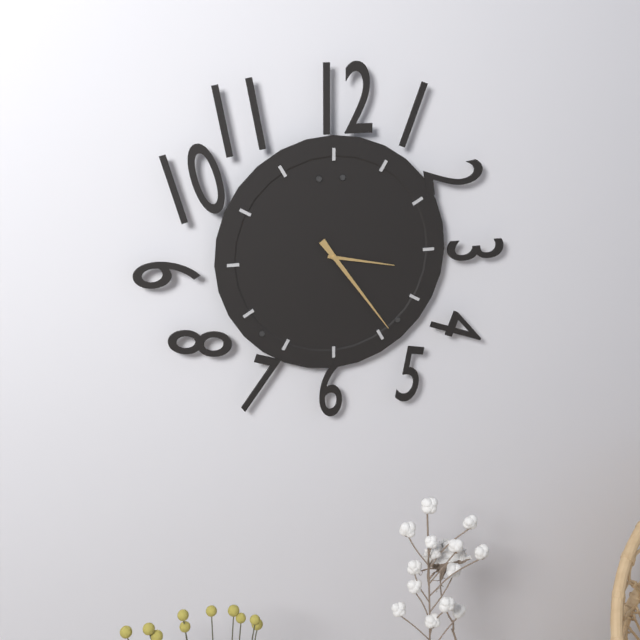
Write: {"hour": 3, "minute": 24}
